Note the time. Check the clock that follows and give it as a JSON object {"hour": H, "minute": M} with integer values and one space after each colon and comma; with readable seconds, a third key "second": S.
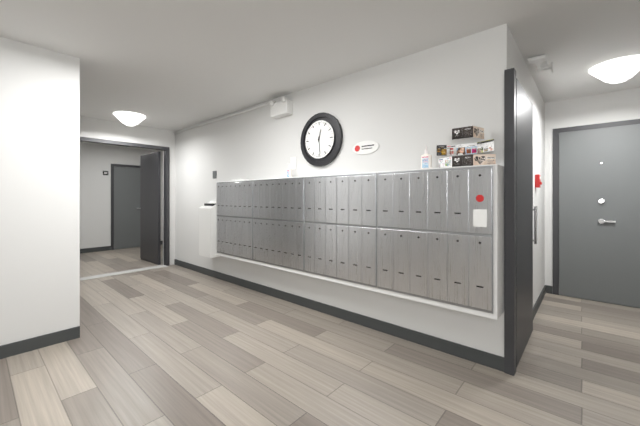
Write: {"hour": 12, "minute": 29}
